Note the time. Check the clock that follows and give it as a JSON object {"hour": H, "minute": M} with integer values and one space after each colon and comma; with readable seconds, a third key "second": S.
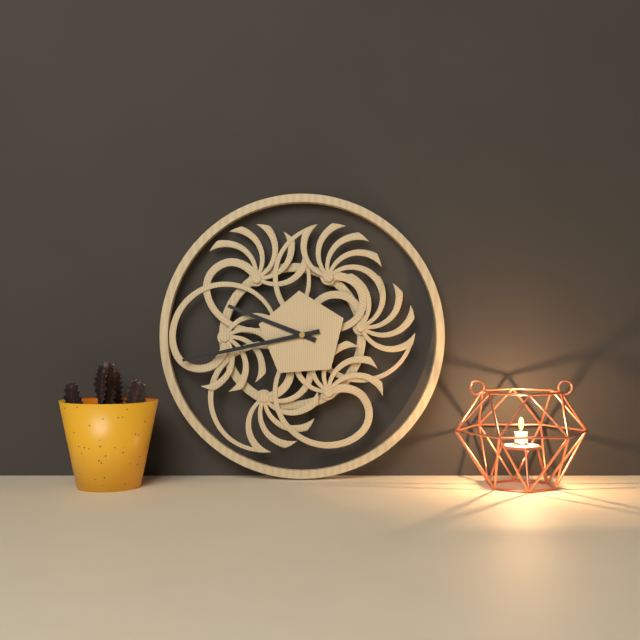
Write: {"hour": 9, "minute": 43}
